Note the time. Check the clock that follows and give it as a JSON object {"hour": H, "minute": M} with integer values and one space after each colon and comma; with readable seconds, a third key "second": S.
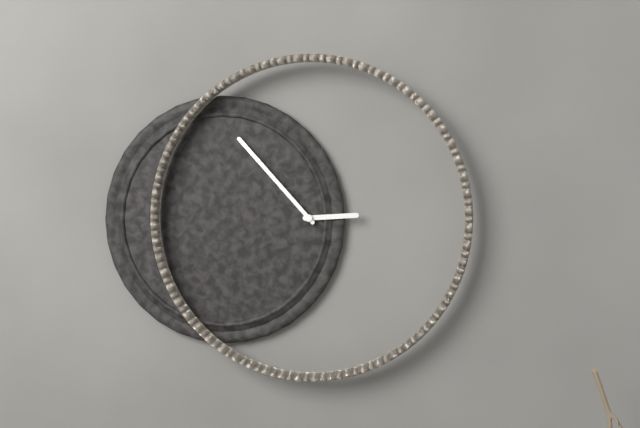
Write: {"hour": 2, "minute": 53}
